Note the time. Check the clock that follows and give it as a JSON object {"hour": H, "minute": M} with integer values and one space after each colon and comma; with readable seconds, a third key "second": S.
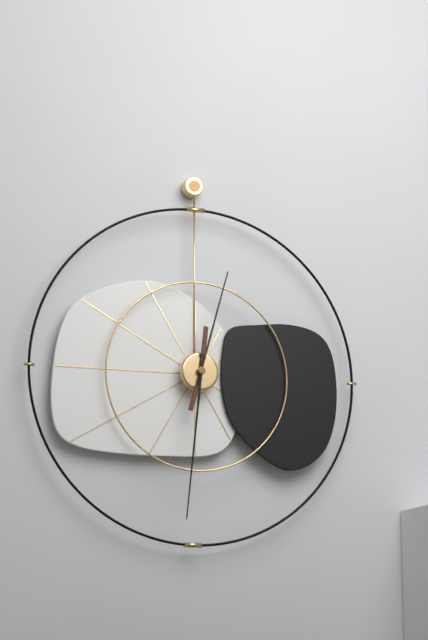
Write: {"hour": 12, "minute": 31}
